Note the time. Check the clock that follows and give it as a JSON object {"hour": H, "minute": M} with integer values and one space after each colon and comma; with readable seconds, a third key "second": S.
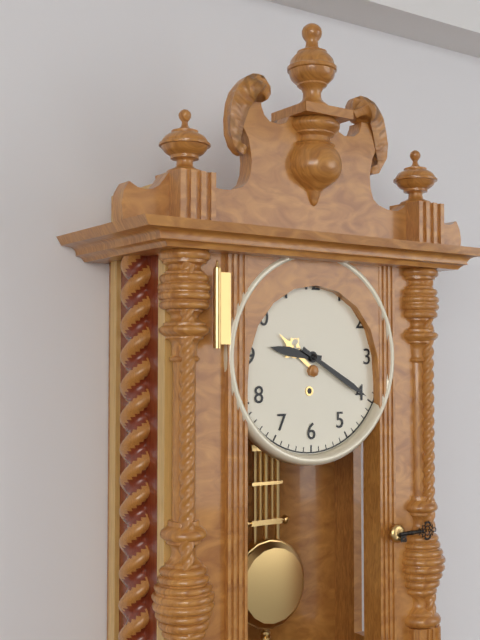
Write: {"hour": 9, "minute": 20}
